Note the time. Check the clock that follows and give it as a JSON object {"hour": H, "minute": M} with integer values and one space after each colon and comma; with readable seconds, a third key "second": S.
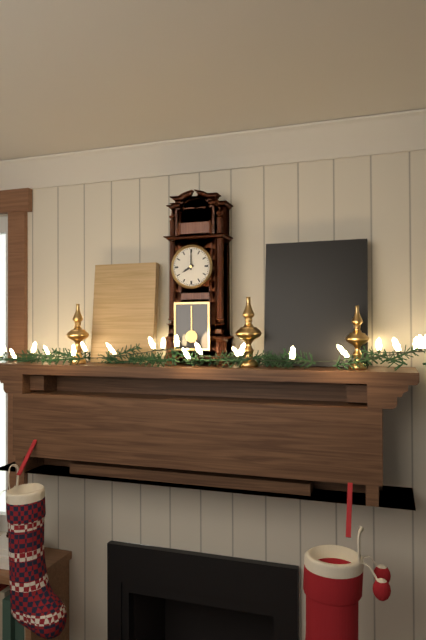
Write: {"hour": 8, "minute": 0}
